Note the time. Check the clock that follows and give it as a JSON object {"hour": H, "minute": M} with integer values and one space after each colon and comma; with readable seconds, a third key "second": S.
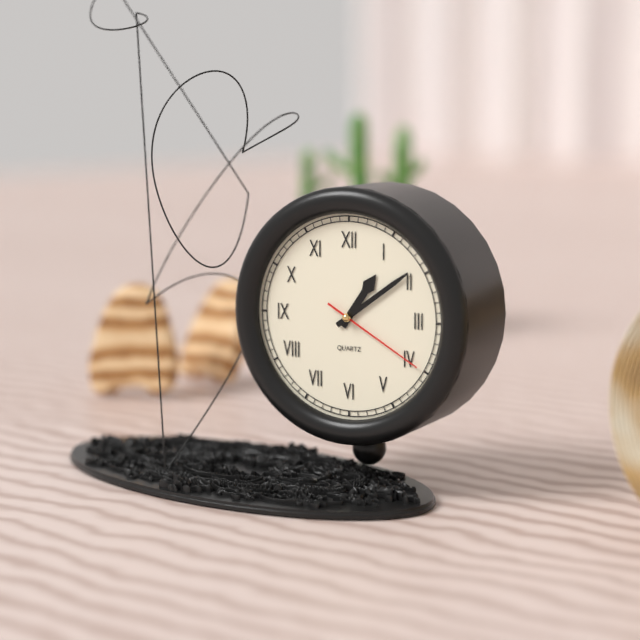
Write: {"hour": 1, "minute": 9, "second": 20}
